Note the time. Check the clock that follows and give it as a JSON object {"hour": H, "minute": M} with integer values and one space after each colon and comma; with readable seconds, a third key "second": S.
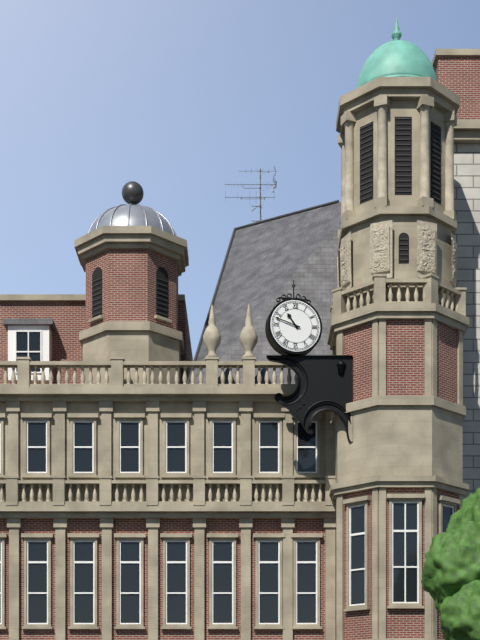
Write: {"hour": 10, "minute": 48}
